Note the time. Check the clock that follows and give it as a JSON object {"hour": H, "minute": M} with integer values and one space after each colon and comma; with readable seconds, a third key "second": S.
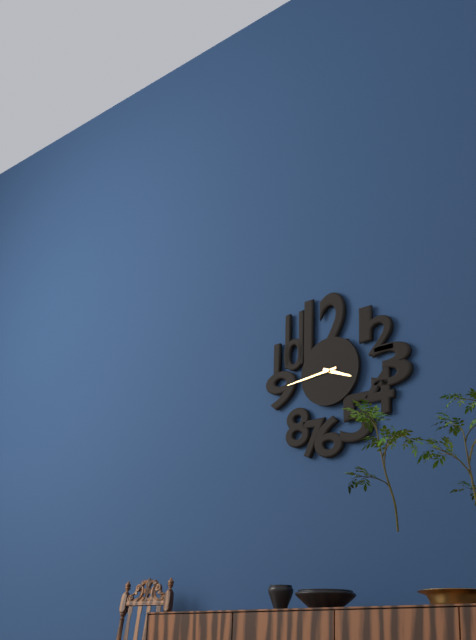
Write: {"hour": 3, "minute": 44}
